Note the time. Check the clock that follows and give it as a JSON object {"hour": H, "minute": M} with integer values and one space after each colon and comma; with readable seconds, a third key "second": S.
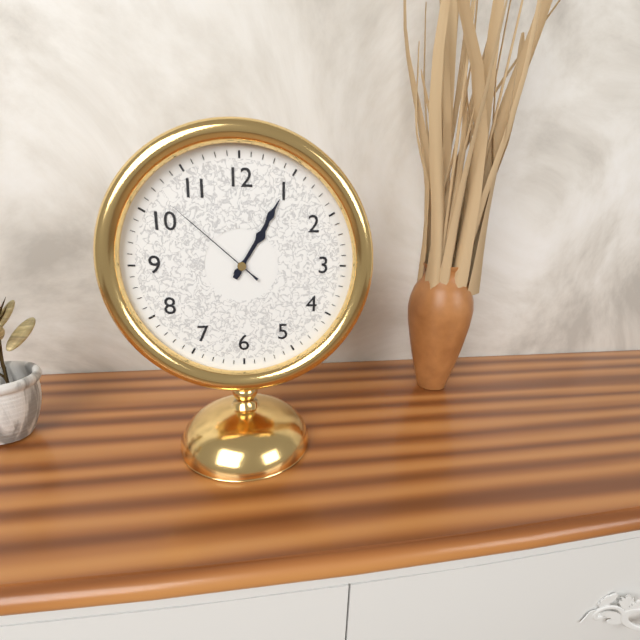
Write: {"hour": 1, "minute": 5, "second": 52}
